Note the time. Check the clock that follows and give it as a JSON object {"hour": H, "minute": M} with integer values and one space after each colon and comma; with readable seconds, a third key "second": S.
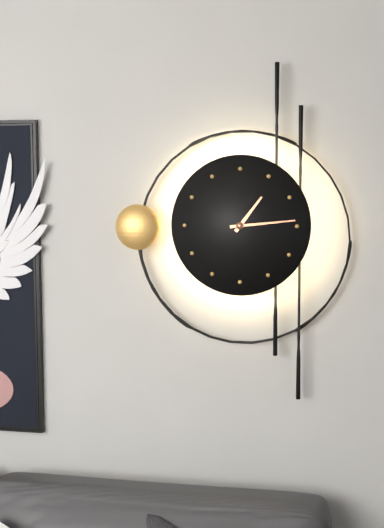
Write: {"hour": 1, "minute": 14}
